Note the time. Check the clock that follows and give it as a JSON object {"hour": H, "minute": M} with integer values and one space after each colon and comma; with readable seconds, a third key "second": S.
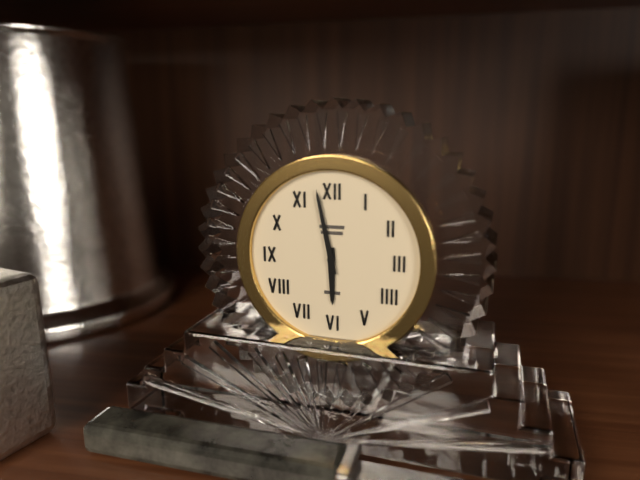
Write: {"hour": 5, "minute": 58}
